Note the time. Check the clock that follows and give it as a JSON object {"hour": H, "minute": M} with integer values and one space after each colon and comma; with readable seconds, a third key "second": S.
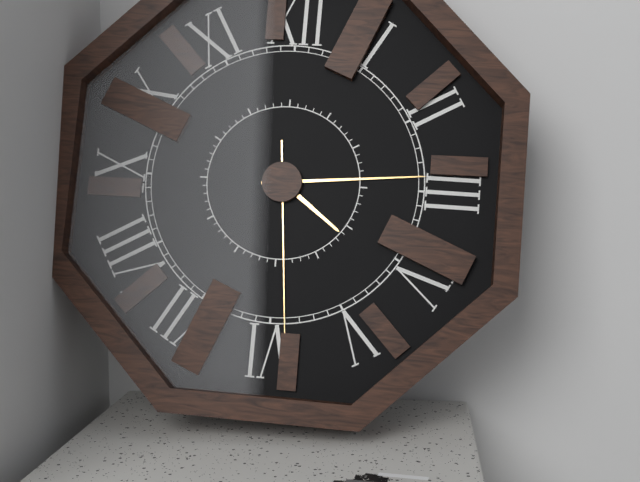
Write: {"hour": 4, "minute": 14, "second": 29}
